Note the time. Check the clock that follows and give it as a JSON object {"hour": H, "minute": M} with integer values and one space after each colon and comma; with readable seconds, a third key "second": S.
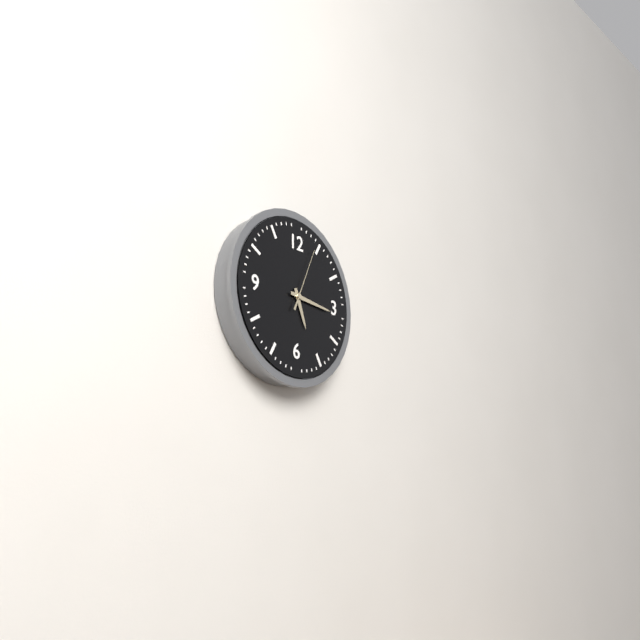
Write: {"hour": 5, "minute": 16, "second": 4}
